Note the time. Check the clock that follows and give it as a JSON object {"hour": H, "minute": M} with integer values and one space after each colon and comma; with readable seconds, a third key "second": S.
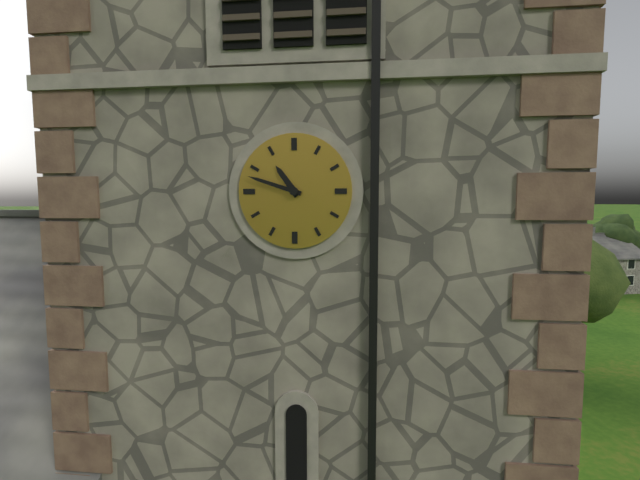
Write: {"hour": 10, "minute": 48}
